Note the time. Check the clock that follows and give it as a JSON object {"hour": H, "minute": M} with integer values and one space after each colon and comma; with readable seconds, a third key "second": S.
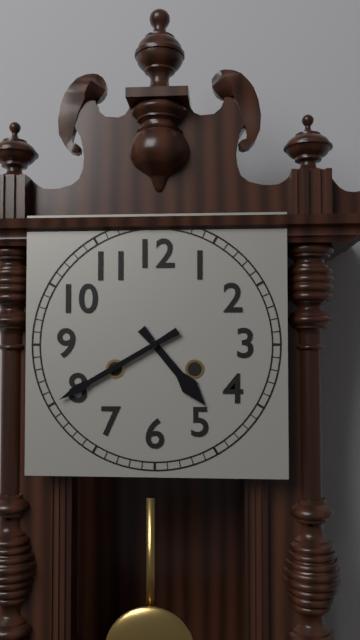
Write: {"hour": 4, "minute": 40}
